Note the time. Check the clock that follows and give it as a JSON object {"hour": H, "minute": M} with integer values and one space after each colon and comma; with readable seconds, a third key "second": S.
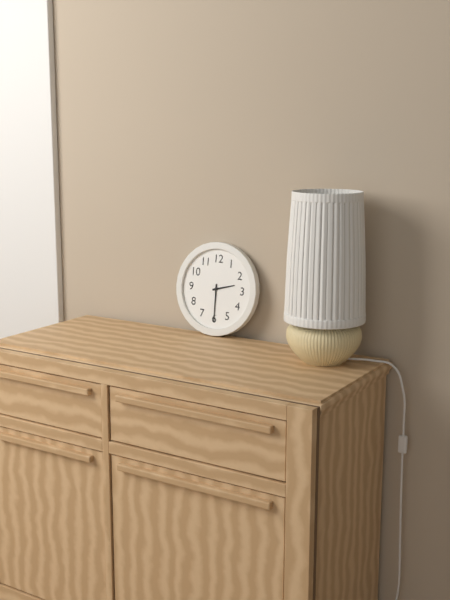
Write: {"hour": 2, "minute": 30}
